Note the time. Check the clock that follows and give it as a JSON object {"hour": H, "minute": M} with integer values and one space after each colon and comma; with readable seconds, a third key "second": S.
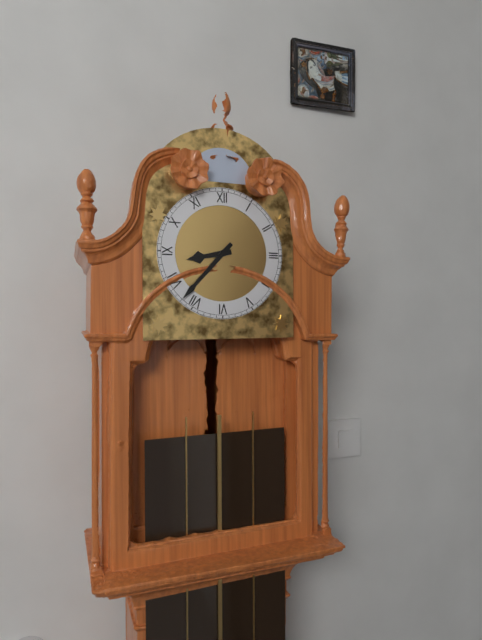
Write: {"hour": 8, "minute": 37}
